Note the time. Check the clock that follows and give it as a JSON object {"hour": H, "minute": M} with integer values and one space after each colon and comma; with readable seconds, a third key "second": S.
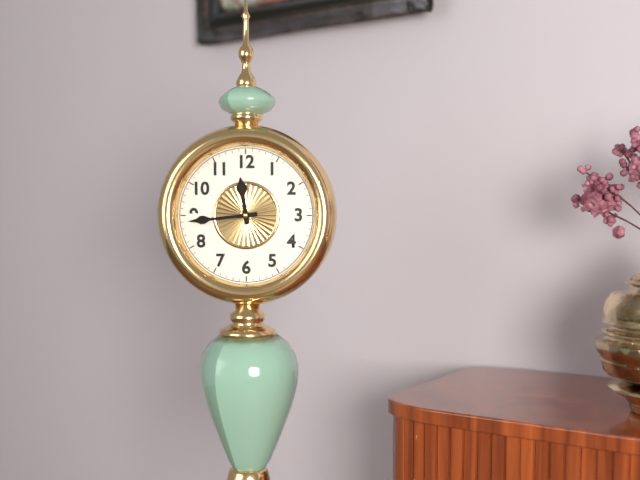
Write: {"hour": 11, "minute": 44}
